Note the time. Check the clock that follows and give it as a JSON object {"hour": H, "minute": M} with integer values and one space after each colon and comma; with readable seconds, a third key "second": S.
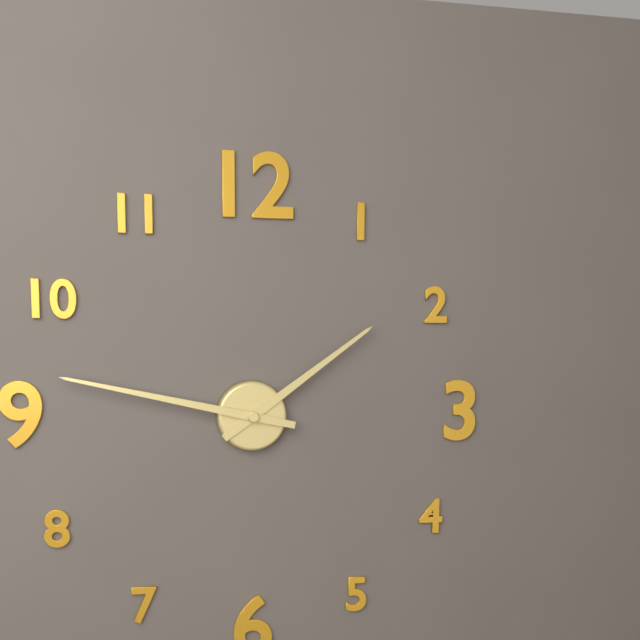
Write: {"hour": 1, "minute": 47}
